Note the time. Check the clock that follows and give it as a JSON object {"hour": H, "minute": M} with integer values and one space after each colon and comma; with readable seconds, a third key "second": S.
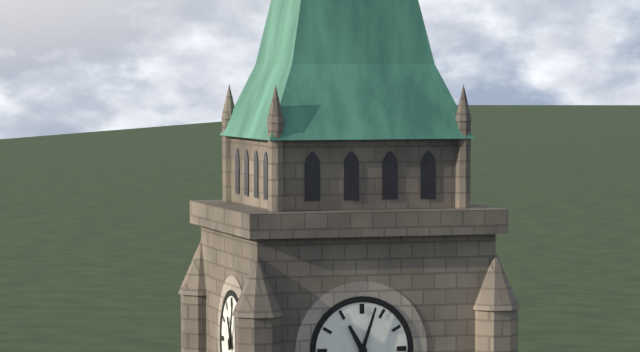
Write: {"hour": 11, "minute": 3}
